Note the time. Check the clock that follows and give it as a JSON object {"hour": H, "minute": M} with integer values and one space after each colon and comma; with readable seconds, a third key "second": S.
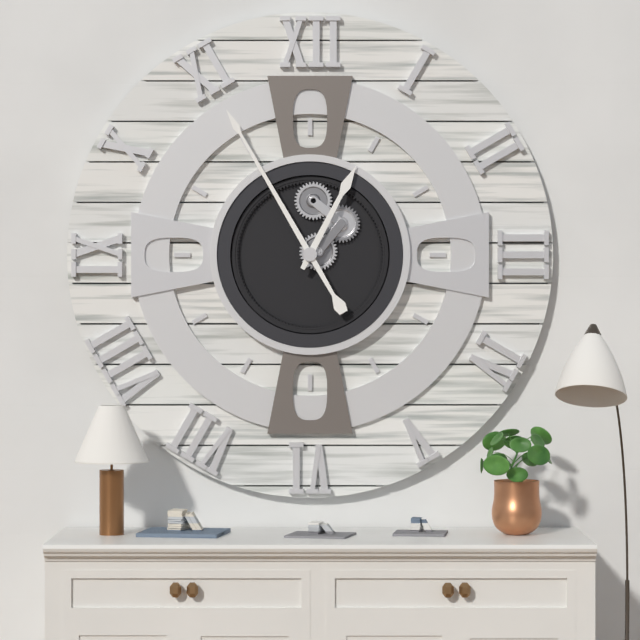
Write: {"hour": 12, "minute": 55}
